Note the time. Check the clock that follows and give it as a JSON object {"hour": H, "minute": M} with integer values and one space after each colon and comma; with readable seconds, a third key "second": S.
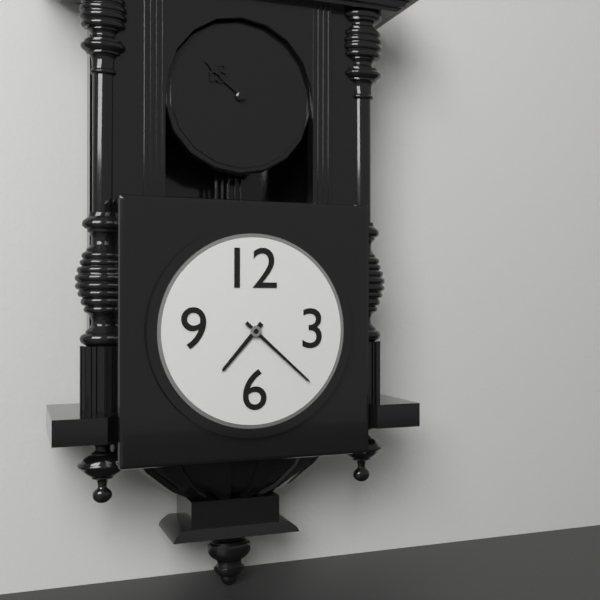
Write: {"hour": 7, "minute": 22}
